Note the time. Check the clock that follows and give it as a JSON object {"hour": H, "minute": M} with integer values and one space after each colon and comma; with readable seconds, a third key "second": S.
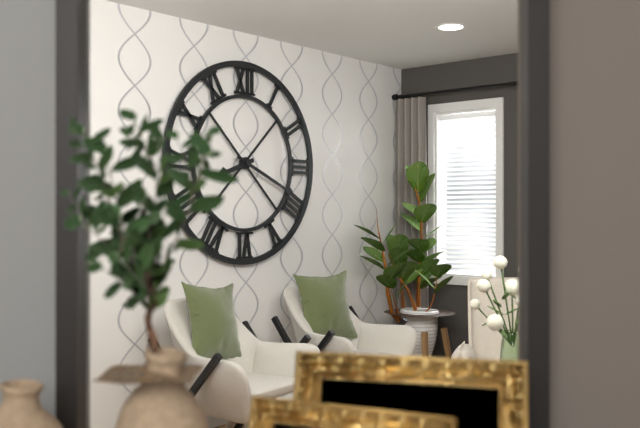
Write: {"hour": 8, "minute": 19}
